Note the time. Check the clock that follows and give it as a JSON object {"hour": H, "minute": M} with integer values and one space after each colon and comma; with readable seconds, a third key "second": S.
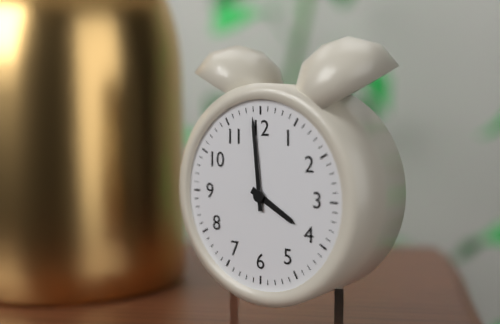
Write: {"hour": 3, "minute": 59}
